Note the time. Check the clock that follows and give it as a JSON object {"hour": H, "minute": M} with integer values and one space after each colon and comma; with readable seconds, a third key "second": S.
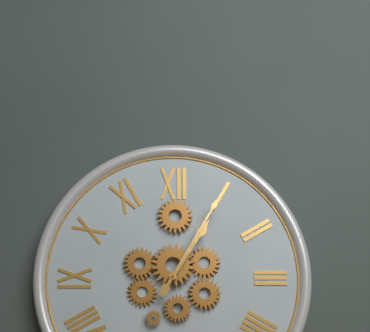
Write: {"hour": 1, "minute": 5}
